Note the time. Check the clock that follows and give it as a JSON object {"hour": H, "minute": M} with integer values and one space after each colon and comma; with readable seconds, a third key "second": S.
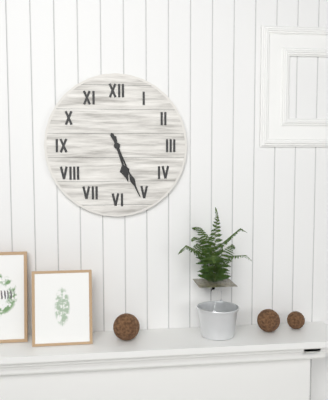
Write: {"hour": 5, "minute": 26}
